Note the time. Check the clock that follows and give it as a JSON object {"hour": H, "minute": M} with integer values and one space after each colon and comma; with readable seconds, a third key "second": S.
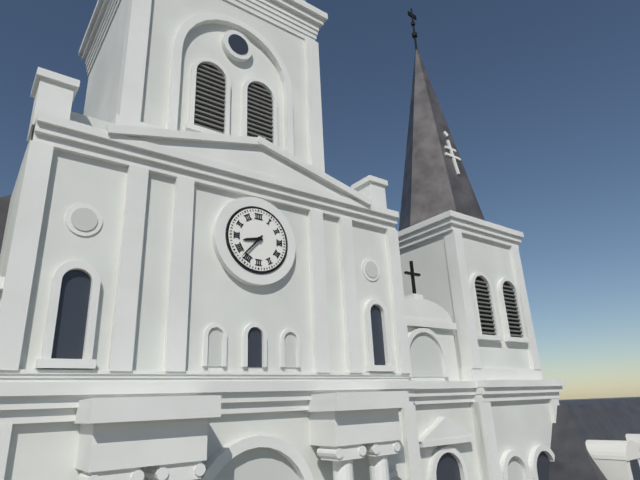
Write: {"hour": 8, "minute": 37}
